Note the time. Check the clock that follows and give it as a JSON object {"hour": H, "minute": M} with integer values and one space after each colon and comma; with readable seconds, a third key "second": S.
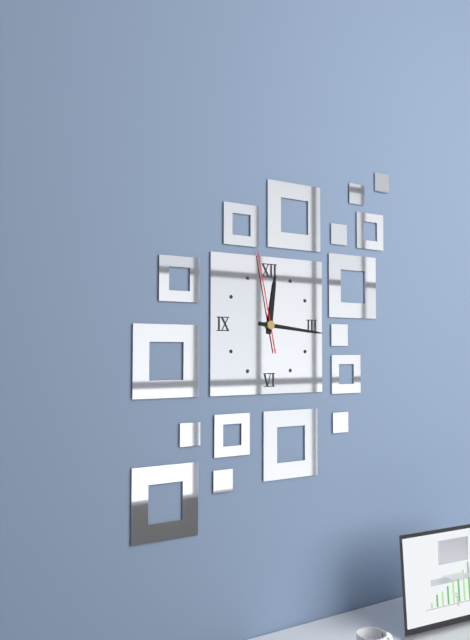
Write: {"hour": 12, "minute": 16, "second": 58}
